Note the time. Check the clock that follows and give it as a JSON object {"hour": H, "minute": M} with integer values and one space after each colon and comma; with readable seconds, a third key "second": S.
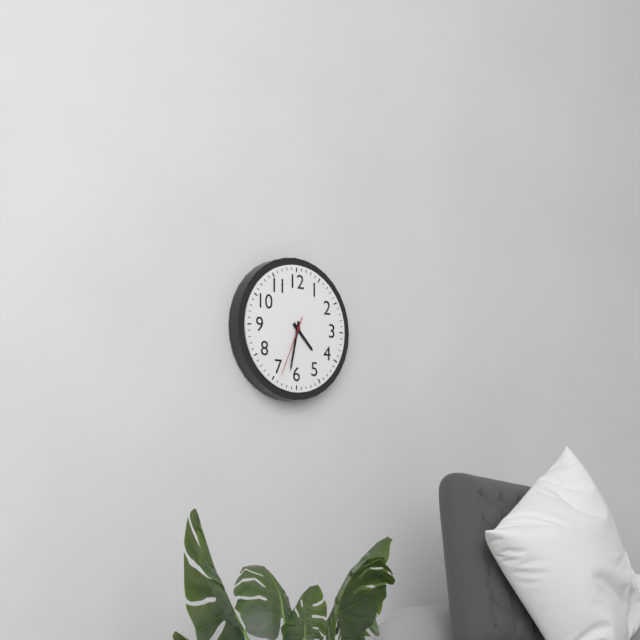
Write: {"hour": 4, "minute": 32, "second": 34}
